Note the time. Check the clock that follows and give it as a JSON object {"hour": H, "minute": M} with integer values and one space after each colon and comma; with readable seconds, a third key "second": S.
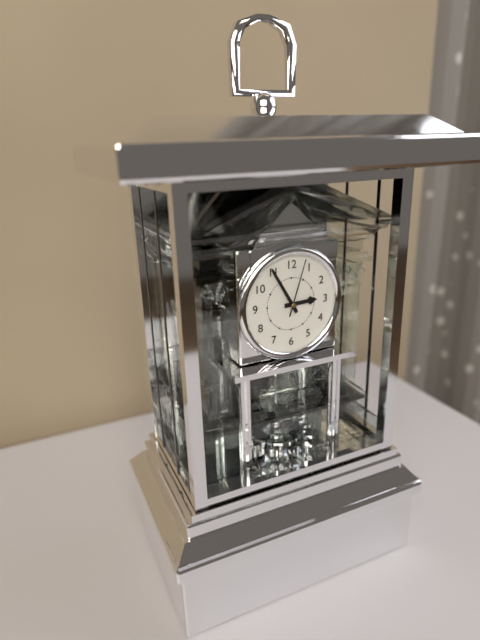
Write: {"hour": 2, "minute": 55, "second": 3}
